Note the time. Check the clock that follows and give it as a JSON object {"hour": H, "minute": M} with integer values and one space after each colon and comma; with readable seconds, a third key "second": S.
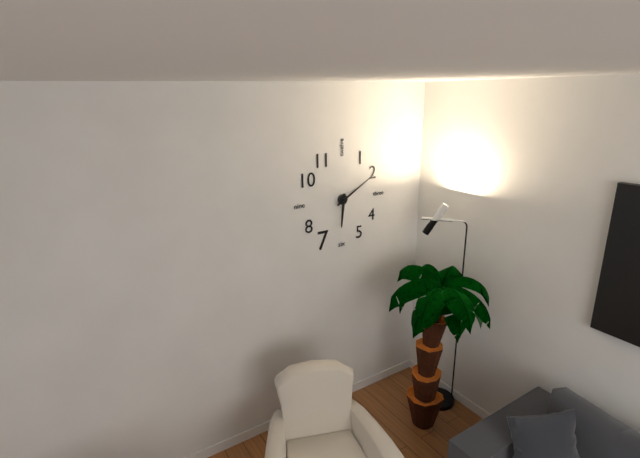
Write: {"hour": 6, "minute": 10}
